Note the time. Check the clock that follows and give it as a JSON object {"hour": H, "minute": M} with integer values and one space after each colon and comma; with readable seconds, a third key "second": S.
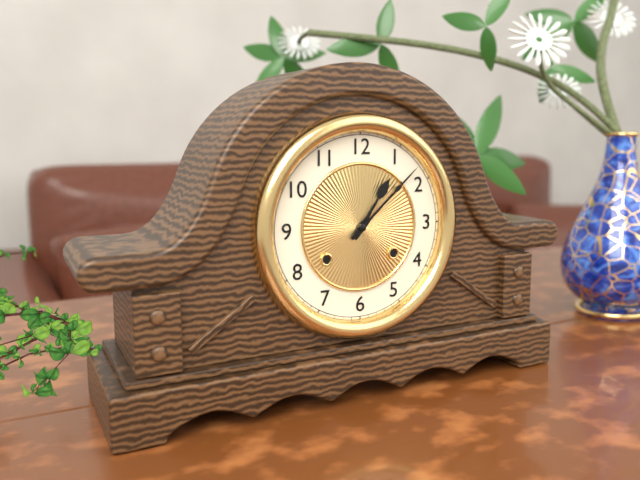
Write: {"hour": 1, "minute": 8}
